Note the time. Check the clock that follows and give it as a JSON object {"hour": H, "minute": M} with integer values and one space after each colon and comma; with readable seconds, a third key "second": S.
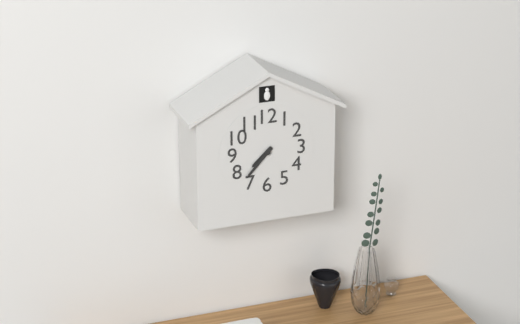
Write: {"hour": 7, "minute": 37}
